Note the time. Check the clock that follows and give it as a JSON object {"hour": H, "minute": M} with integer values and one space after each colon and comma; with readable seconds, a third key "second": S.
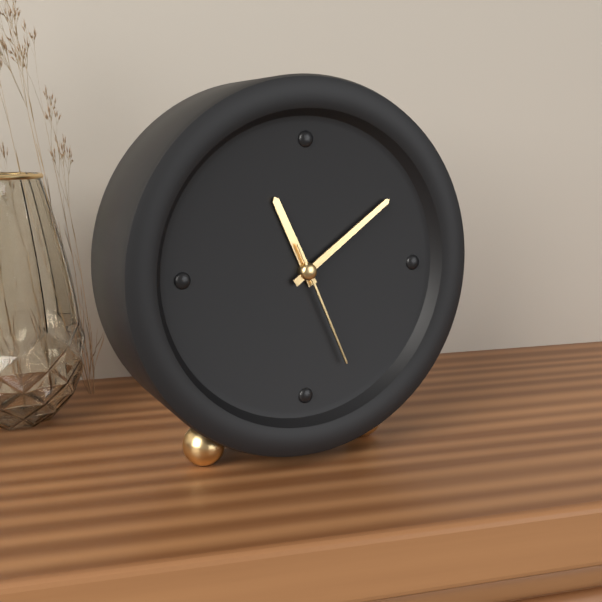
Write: {"hour": 11, "minute": 9, "second": 26}
